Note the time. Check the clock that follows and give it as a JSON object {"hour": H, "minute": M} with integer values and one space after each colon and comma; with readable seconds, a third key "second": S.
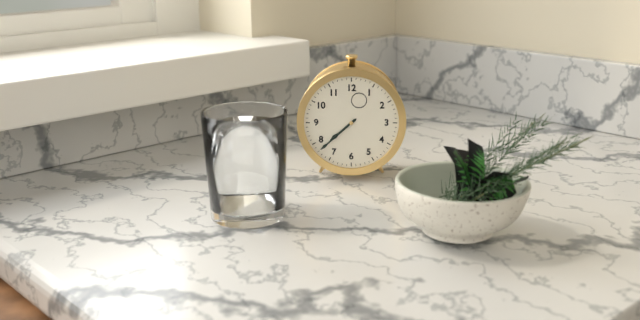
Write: {"hour": 7, "minute": 38}
